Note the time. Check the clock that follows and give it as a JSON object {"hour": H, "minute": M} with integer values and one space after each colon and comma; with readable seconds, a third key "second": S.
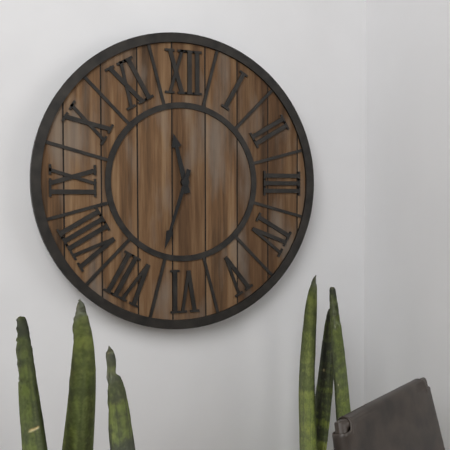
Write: {"hour": 11, "minute": 33}
